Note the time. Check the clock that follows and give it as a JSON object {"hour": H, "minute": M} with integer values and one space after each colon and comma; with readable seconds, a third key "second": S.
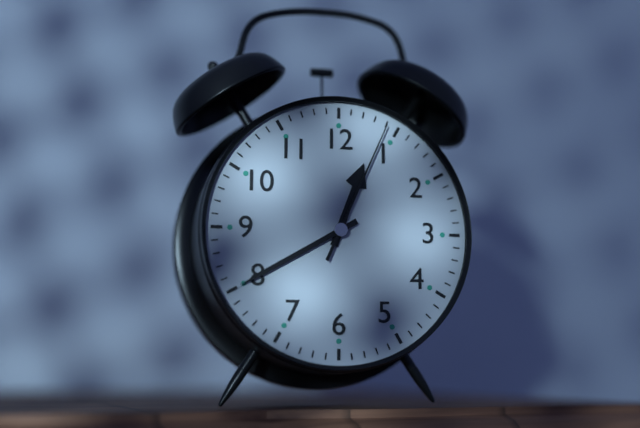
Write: {"hour": 12, "minute": 40, "second": 4}
